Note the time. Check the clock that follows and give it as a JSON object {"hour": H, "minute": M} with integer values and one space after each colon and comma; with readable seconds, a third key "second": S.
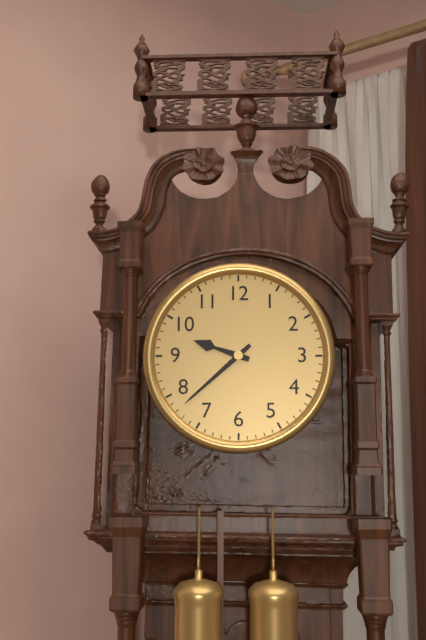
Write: {"hour": 9, "minute": 38}
